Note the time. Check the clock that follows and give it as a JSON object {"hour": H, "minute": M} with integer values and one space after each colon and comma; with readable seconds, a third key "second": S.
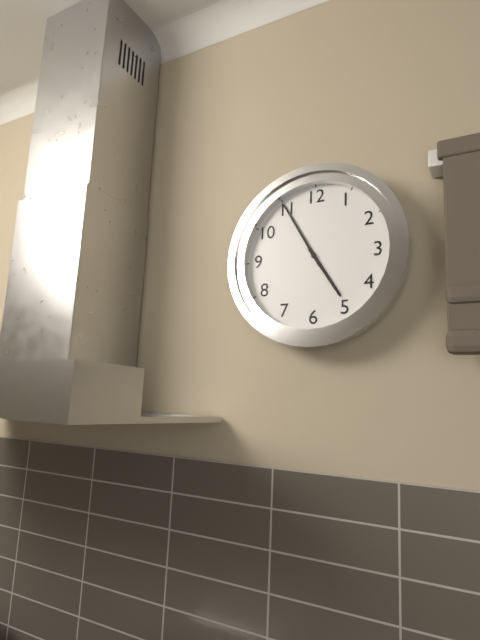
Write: {"hour": 4, "minute": 55}
